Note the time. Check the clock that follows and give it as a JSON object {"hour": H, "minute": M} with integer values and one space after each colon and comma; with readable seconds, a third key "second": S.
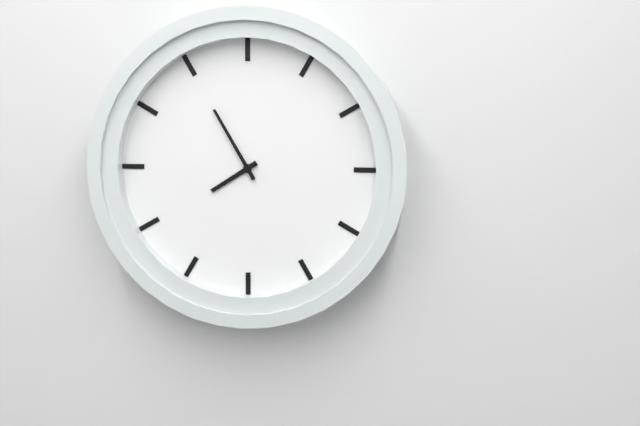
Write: {"hour": 7, "minute": 55}
